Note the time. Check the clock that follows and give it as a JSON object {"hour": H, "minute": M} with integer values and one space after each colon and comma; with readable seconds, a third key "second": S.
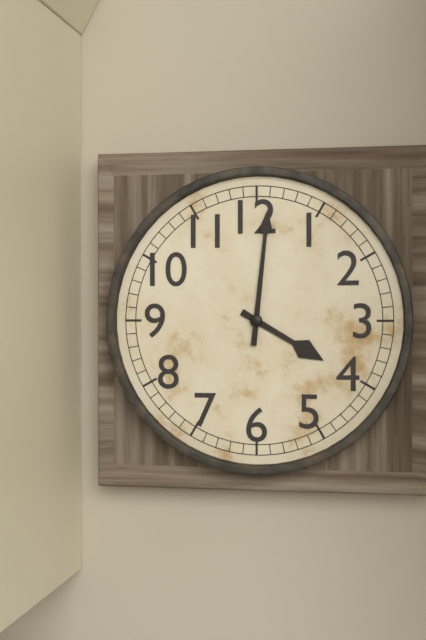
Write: {"hour": 4, "minute": 1}
